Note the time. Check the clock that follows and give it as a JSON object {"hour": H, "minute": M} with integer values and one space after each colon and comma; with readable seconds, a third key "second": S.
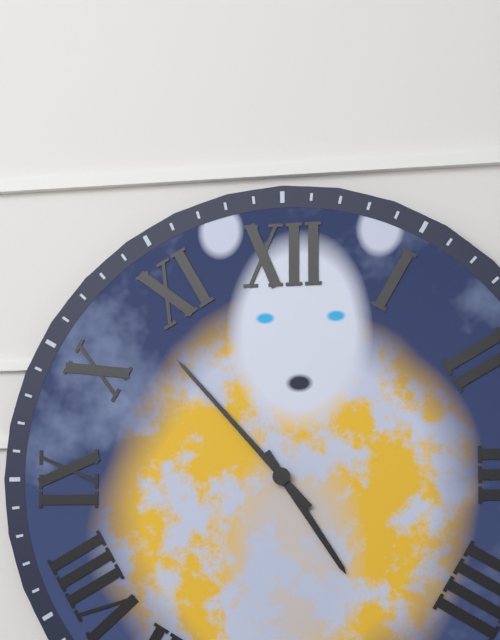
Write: {"hour": 4, "minute": 53}
